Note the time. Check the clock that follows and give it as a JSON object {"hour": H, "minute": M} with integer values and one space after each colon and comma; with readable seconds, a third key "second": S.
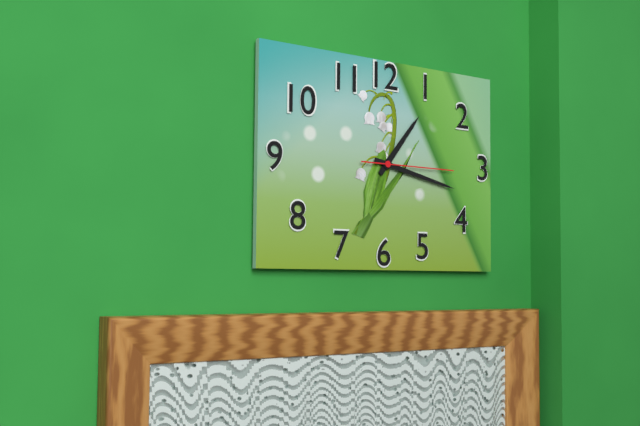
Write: {"hour": 1, "minute": 17, "second": 15}
